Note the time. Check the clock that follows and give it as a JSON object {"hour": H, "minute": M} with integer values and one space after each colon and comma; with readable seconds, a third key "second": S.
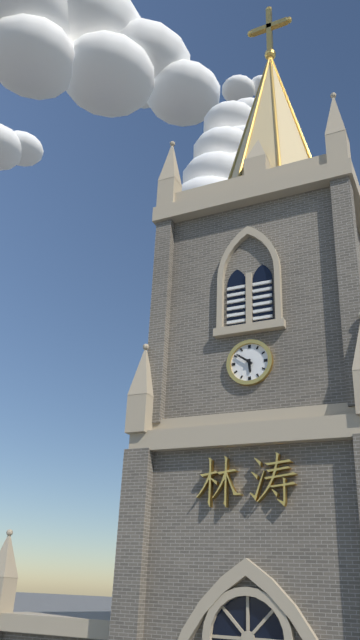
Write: {"hour": 5, "minute": 51}
